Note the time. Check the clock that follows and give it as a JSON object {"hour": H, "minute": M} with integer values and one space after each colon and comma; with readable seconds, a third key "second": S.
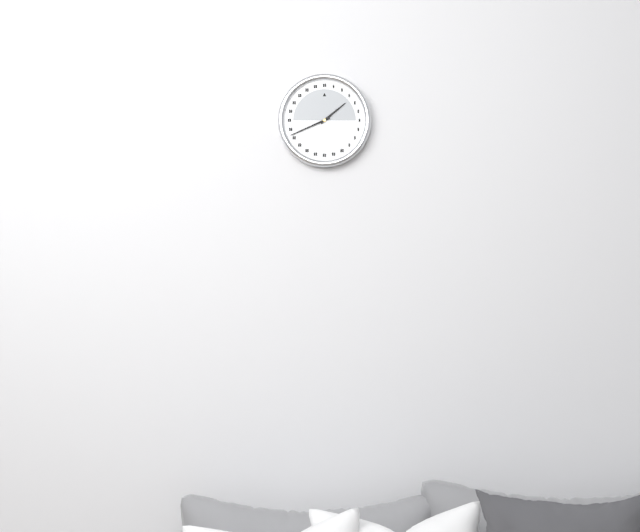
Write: {"hour": 1, "minute": 41}
